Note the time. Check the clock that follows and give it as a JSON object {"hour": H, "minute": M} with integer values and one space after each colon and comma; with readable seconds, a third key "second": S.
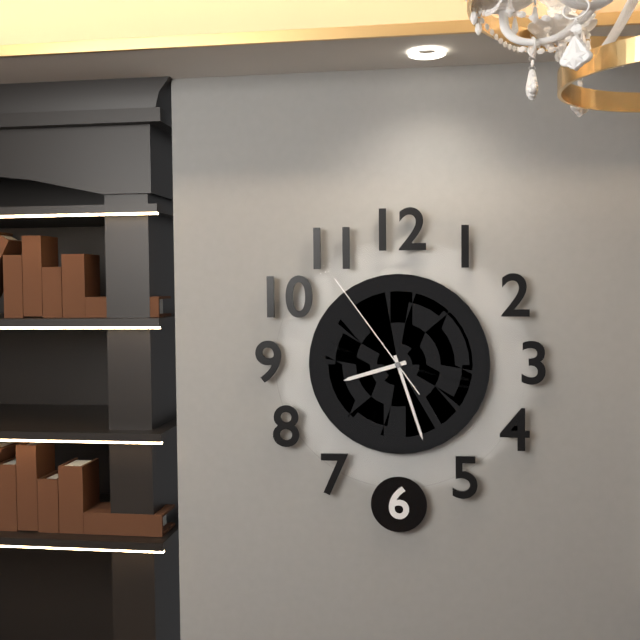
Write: {"hour": 8, "minute": 27, "second": 54}
